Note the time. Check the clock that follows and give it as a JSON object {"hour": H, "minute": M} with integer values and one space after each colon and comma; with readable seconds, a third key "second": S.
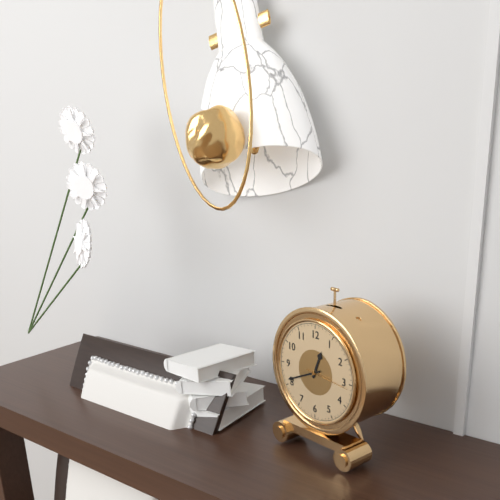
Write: {"hour": 12, "minute": 41}
